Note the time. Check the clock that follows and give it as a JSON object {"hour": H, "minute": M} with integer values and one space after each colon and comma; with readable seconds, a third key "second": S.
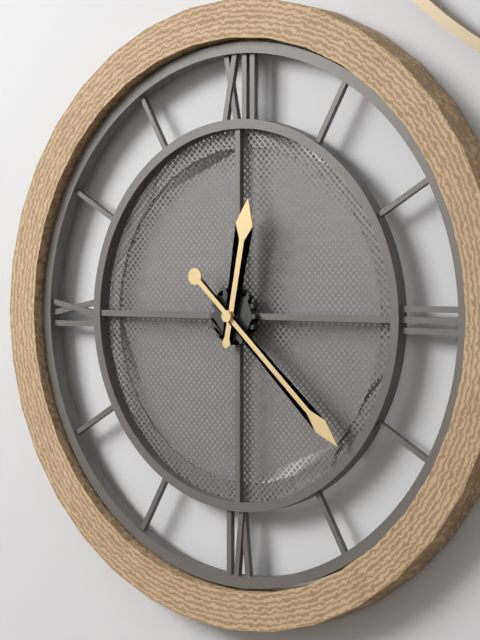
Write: {"hour": 12, "minute": 22}
